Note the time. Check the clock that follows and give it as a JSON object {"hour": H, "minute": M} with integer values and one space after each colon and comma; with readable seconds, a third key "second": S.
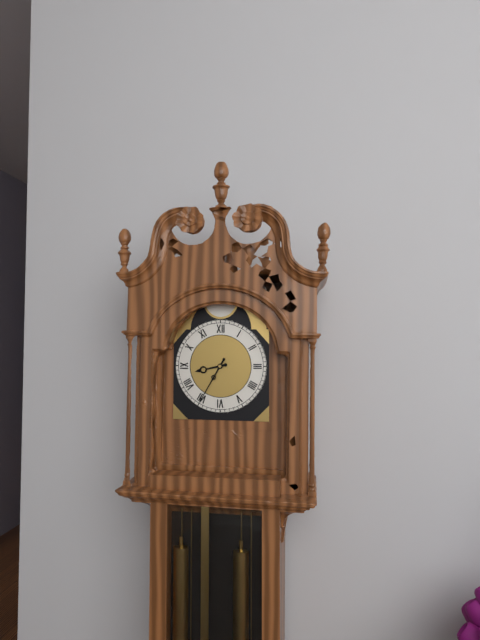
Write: {"hour": 8, "minute": 35}
